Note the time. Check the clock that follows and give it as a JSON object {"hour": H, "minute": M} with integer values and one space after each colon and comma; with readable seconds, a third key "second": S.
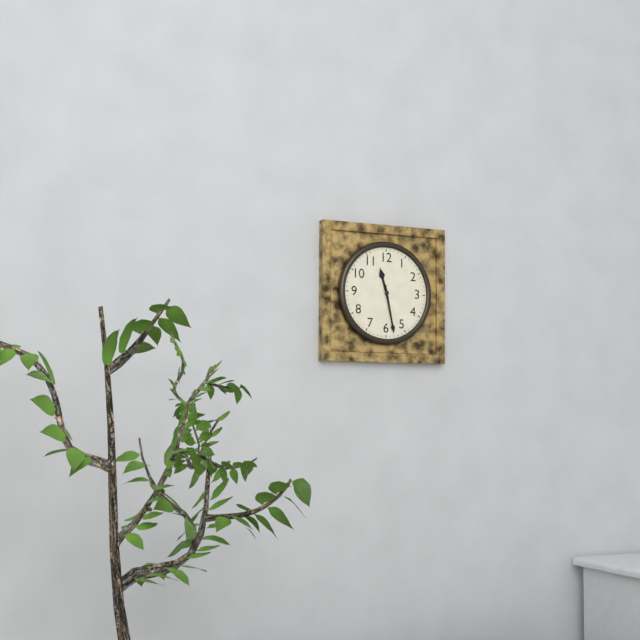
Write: {"hour": 11, "minute": 28}
